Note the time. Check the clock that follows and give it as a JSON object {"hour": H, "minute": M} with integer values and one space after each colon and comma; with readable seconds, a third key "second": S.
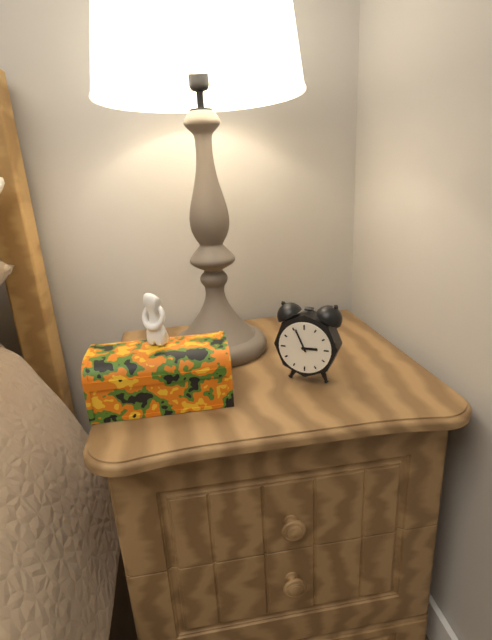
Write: {"hour": 2, "minute": 56}
